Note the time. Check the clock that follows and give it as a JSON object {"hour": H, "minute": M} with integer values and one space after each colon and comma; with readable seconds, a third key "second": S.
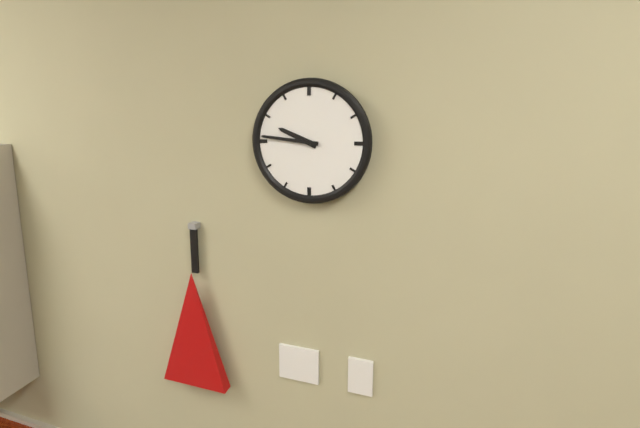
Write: {"hour": 9, "minute": 46}
